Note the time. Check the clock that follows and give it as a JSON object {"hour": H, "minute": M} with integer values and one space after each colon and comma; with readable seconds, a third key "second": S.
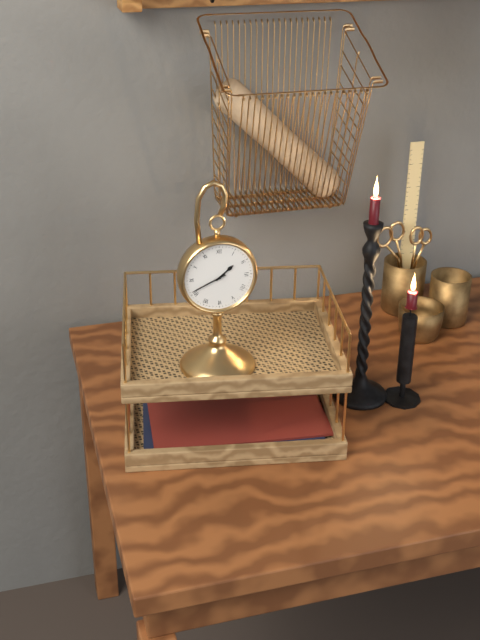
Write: {"hour": 1, "minute": 41}
